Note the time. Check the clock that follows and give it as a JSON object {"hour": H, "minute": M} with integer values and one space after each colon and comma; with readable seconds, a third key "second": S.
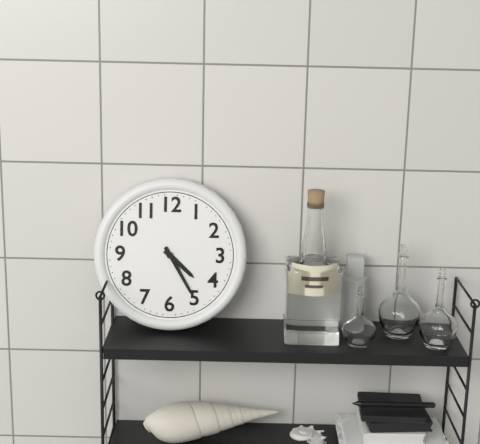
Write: {"hour": 4, "minute": 25}
